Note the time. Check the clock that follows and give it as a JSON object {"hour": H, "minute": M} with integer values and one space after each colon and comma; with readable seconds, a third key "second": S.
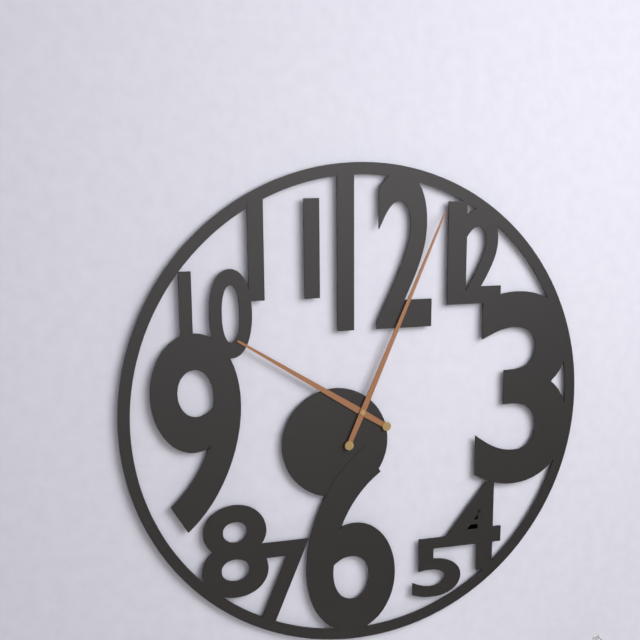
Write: {"hour": 10, "minute": 4}
